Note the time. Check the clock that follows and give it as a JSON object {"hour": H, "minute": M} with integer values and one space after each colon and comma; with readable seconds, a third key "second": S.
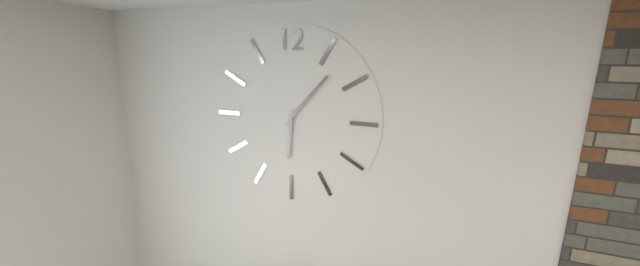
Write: {"hour": 6, "minute": 7}
